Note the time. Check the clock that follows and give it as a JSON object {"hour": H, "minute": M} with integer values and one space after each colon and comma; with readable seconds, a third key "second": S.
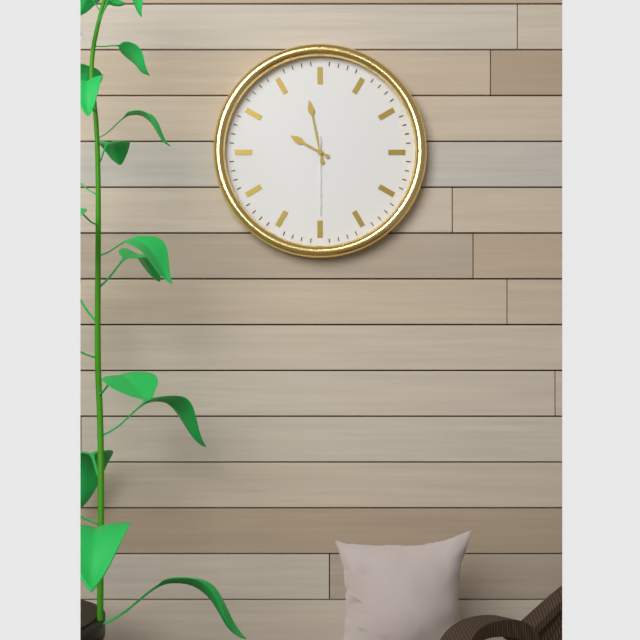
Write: {"hour": 9, "minute": 58, "second": 30}
